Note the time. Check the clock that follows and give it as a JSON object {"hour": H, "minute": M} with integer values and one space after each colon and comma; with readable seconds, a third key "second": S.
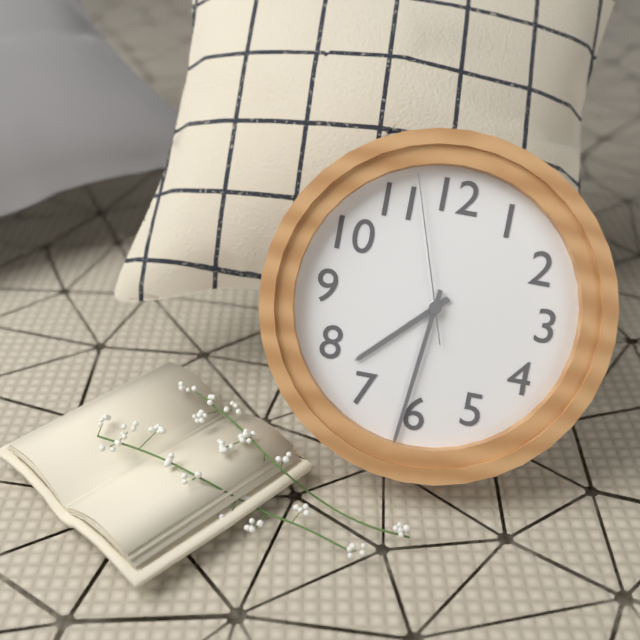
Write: {"hour": 7, "minute": 31, "second": 57}
